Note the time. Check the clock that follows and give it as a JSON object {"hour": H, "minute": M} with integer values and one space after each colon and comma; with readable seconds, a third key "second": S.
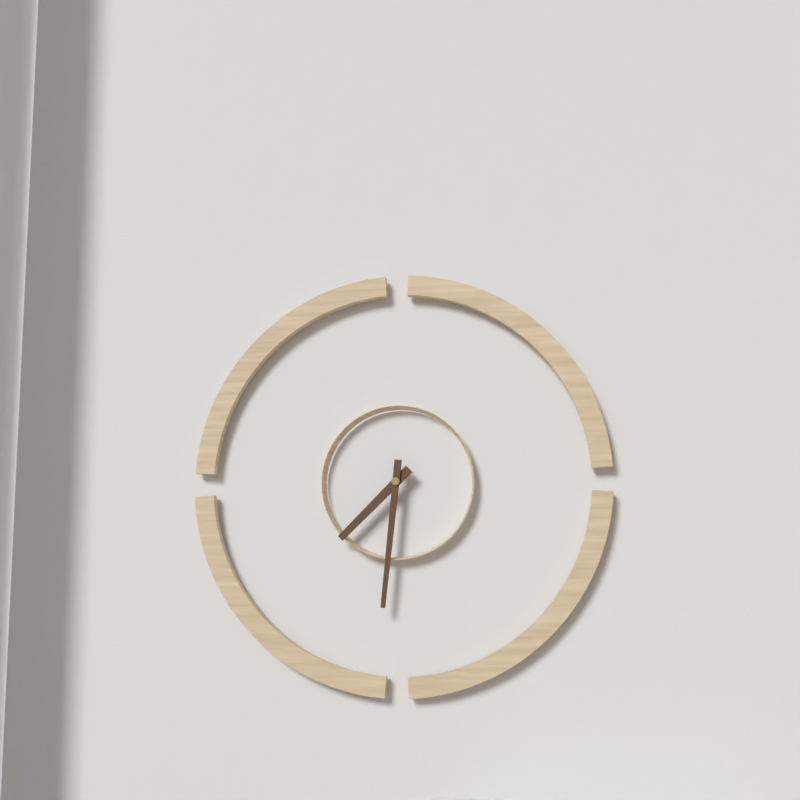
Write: {"hour": 7, "minute": 31}
